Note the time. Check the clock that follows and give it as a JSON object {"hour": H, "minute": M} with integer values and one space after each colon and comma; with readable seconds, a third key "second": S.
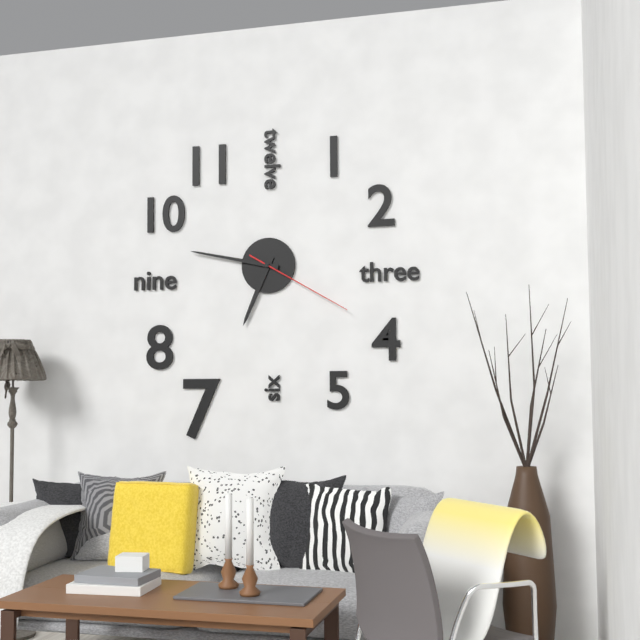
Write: {"hour": 6, "minute": 47, "second": 20}
